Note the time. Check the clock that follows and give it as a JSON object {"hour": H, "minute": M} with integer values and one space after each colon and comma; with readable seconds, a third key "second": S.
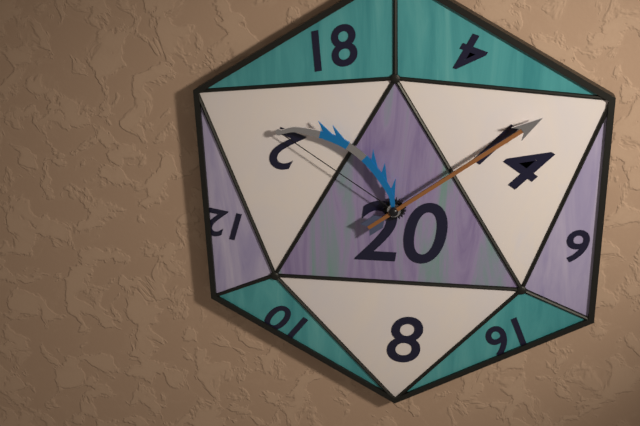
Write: {"hour": 10, "minute": 9}
